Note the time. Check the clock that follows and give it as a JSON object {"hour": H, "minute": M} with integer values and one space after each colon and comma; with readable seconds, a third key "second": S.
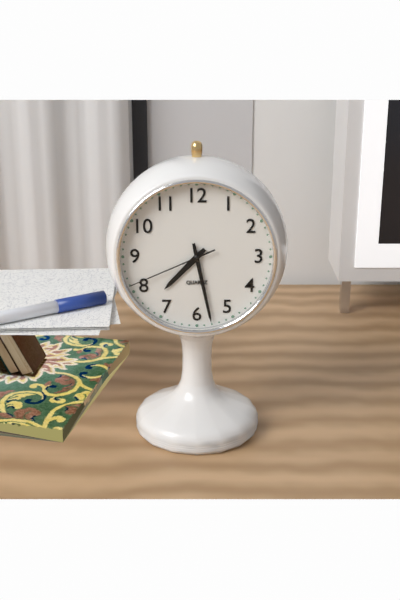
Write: {"hour": 7, "minute": 28, "second": 41}
